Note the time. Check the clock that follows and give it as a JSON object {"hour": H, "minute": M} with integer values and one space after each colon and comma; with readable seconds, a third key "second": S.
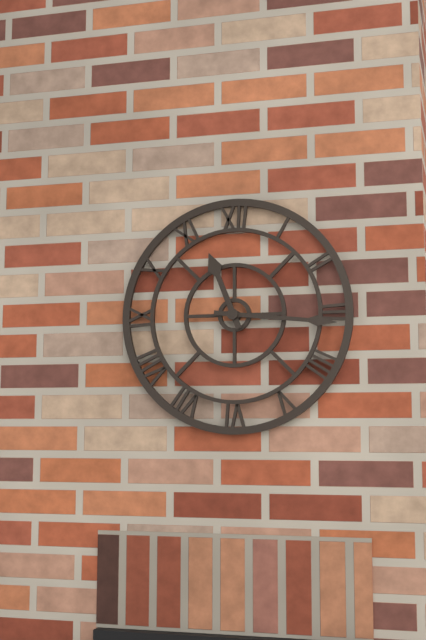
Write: {"hour": 11, "minute": 16}
